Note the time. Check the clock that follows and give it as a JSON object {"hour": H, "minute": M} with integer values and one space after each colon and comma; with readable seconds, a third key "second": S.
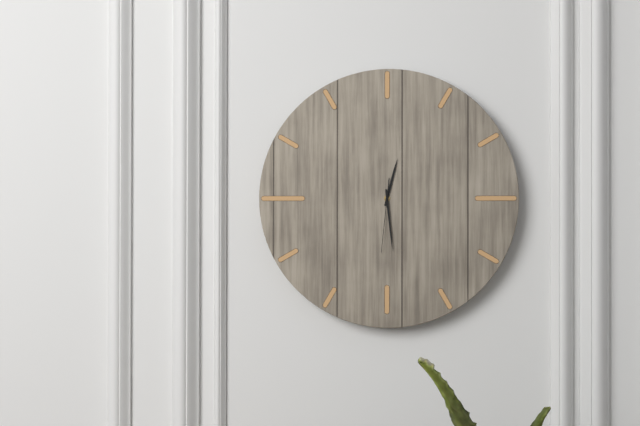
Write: {"hour": 12, "minute": 29, "second": 31}
